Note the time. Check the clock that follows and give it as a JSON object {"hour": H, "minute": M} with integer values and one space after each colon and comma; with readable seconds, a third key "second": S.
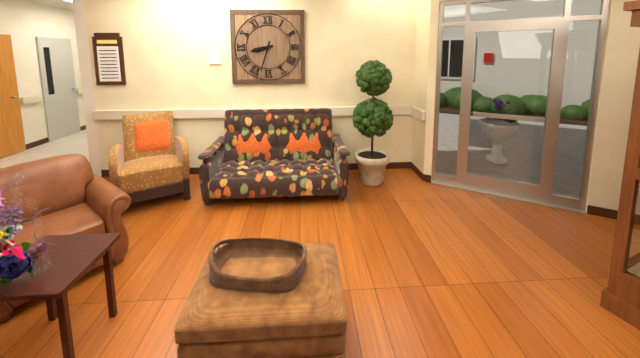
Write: {"hour": 8, "minute": 33}
